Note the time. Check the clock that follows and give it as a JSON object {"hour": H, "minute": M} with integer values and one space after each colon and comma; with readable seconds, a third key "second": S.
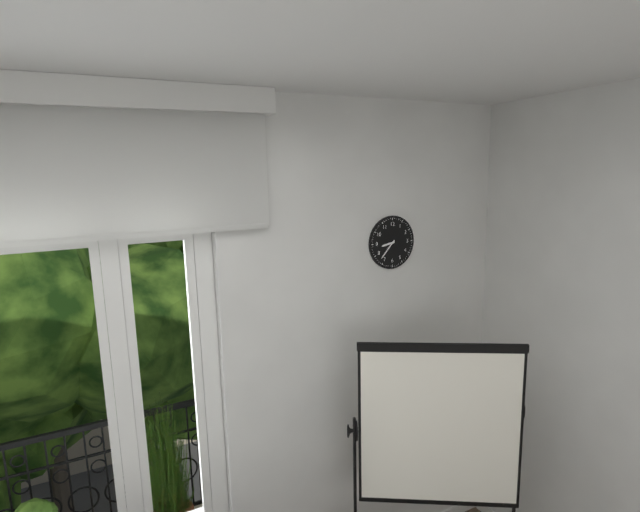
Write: {"hour": 8, "minute": 37}
